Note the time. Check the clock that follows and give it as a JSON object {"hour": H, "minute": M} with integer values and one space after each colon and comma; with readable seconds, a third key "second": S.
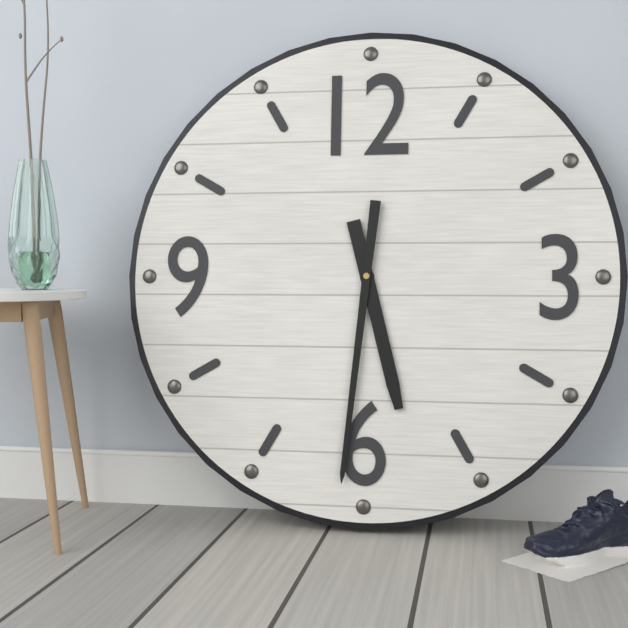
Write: {"hour": 5, "minute": 31}
